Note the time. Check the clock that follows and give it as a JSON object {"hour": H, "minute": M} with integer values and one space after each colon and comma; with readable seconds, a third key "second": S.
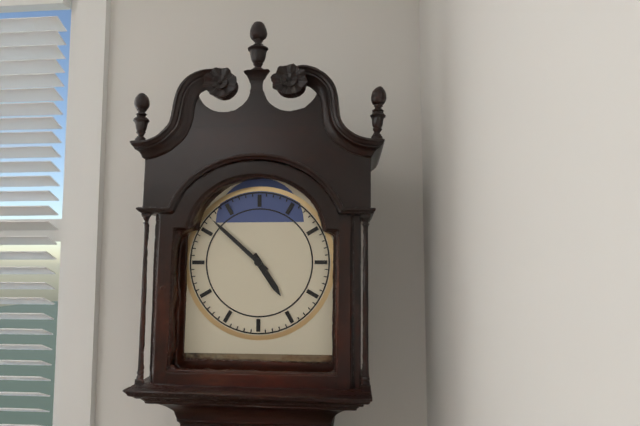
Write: {"hour": 4, "minute": 52}
